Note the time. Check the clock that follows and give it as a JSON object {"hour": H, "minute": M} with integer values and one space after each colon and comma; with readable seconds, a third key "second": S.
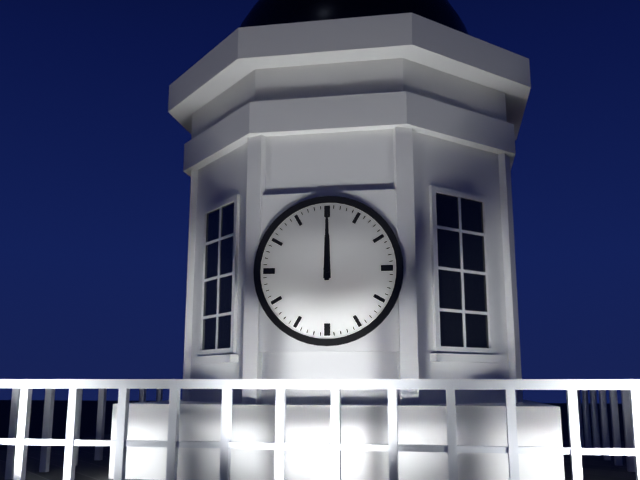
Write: {"hour": 12, "minute": 0}
